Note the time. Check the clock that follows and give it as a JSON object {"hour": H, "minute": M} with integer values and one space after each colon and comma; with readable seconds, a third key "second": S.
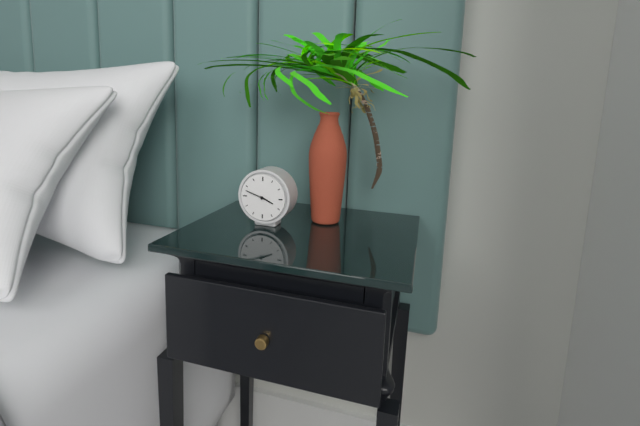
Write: {"hour": 3, "minute": 48}
